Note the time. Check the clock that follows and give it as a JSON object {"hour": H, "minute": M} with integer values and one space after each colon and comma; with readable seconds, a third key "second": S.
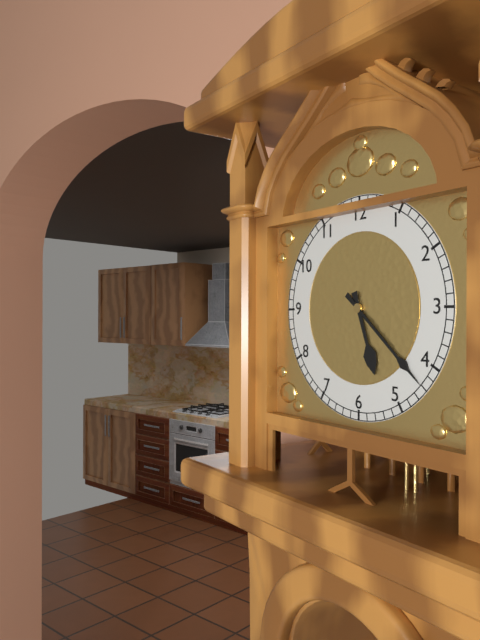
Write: {"hour": 5, "minute": 22}
